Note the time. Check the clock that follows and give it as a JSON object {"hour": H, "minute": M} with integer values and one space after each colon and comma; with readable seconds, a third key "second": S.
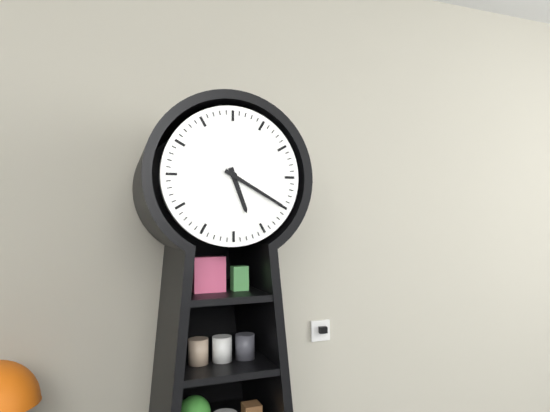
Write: {"hour": 5, "minute": 20}
